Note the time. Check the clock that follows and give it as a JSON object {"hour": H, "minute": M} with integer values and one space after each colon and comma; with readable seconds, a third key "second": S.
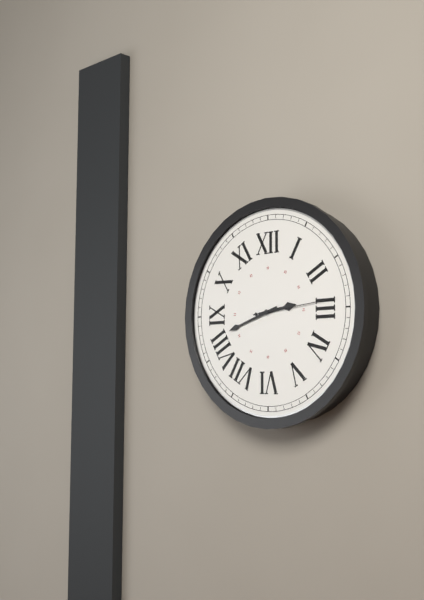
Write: {"hour": 2, "minute": 42, "second": 14}
